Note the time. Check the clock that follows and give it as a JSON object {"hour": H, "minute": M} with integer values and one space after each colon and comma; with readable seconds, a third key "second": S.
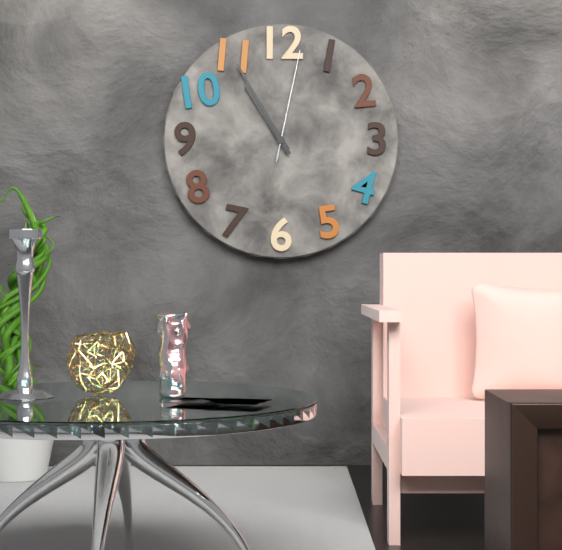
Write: {"hour": 10, "minute": 55, "second": 2}
